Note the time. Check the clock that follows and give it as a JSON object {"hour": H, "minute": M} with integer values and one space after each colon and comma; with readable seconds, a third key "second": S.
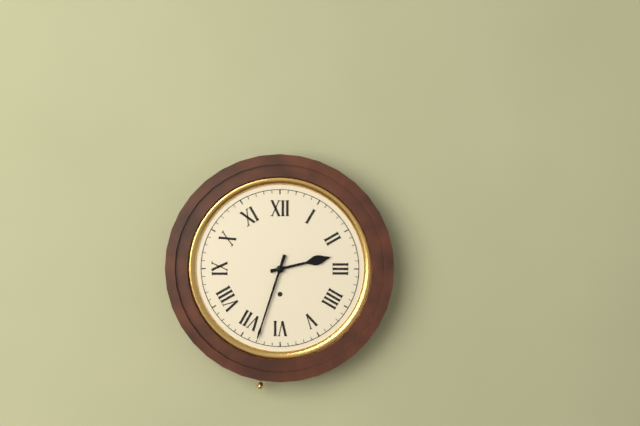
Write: {"hour": 2, "minute": 33}
